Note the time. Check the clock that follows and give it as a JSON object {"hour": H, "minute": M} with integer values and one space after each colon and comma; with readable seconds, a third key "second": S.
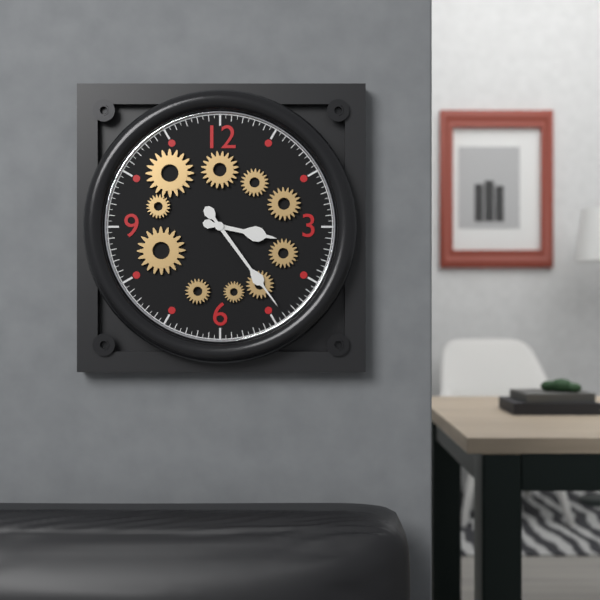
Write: {"hour": 3, "minute": 24}
